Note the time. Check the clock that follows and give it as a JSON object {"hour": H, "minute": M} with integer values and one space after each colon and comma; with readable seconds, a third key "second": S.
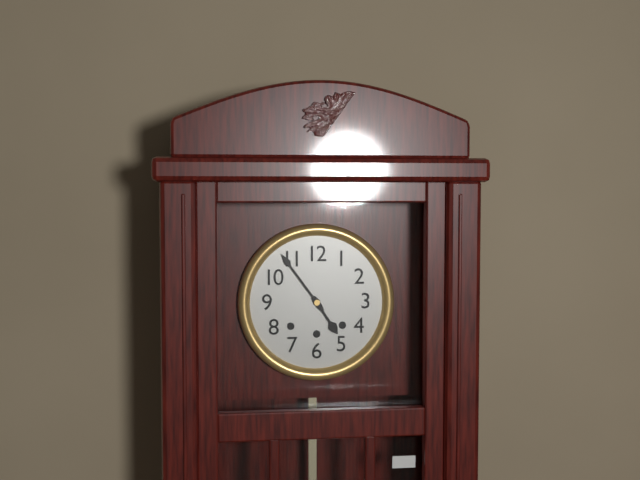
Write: {"hour": 4, "minute": 54}
